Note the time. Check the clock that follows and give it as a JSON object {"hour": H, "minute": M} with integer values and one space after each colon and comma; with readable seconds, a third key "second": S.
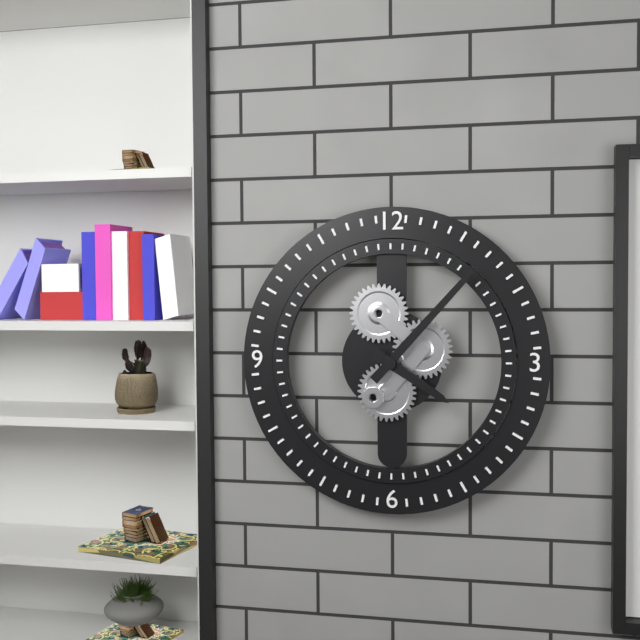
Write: {"hour": 4, "minute": 7}
